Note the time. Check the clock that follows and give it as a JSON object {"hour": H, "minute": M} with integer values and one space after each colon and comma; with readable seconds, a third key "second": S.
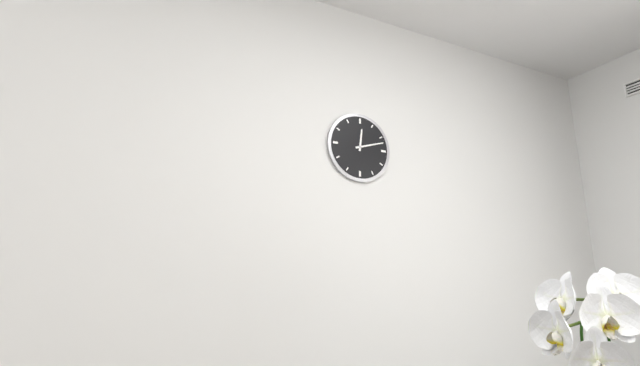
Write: {"hour": 12, "minute": 12}
